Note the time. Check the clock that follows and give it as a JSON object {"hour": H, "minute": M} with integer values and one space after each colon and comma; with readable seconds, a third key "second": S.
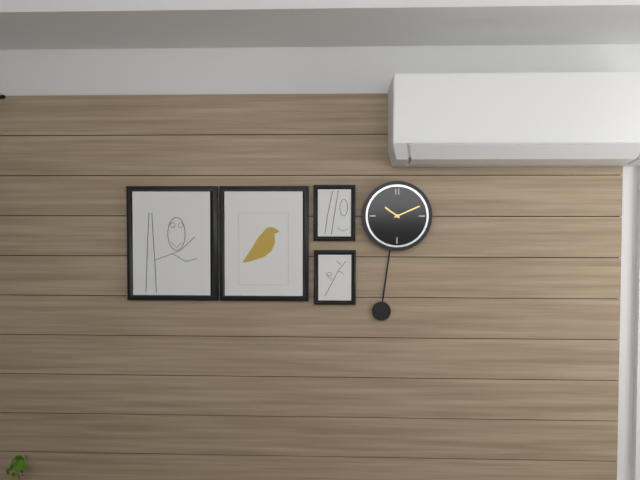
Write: {"hour": 10, "minute": 11}
